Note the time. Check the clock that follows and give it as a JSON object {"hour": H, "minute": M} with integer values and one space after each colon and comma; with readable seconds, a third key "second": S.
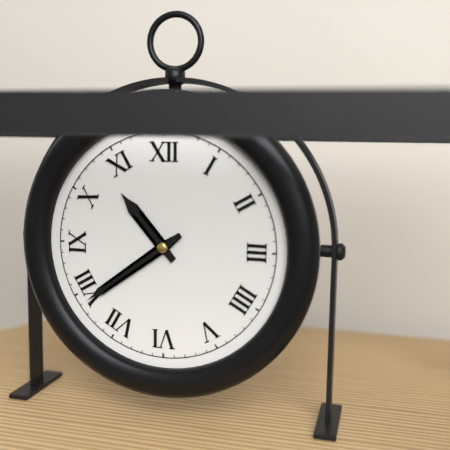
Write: {"hour": 10, "minute": 39}
